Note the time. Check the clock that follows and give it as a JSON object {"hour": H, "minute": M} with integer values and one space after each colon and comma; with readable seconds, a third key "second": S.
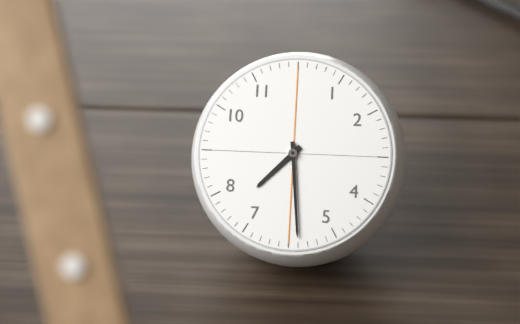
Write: {"hour": 7, "minute": 29}
